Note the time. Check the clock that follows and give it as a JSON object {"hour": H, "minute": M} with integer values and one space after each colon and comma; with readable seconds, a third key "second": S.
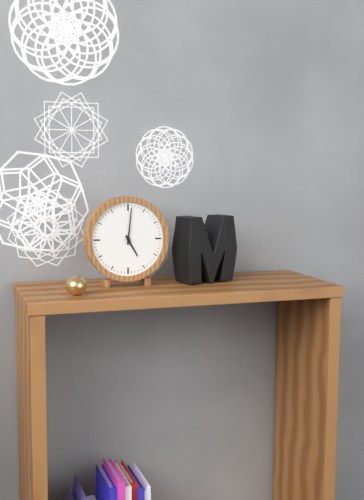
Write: {"hour": 5, "minute": 1}
